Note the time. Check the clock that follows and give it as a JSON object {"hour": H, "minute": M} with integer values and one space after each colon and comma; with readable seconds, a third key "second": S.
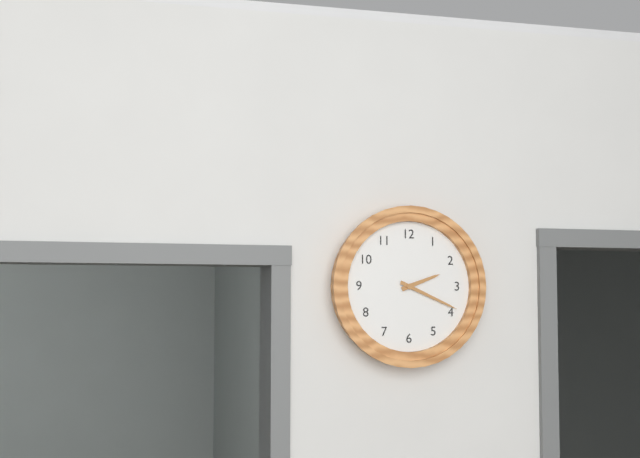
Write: {"hour": 2, "minute": 19}
